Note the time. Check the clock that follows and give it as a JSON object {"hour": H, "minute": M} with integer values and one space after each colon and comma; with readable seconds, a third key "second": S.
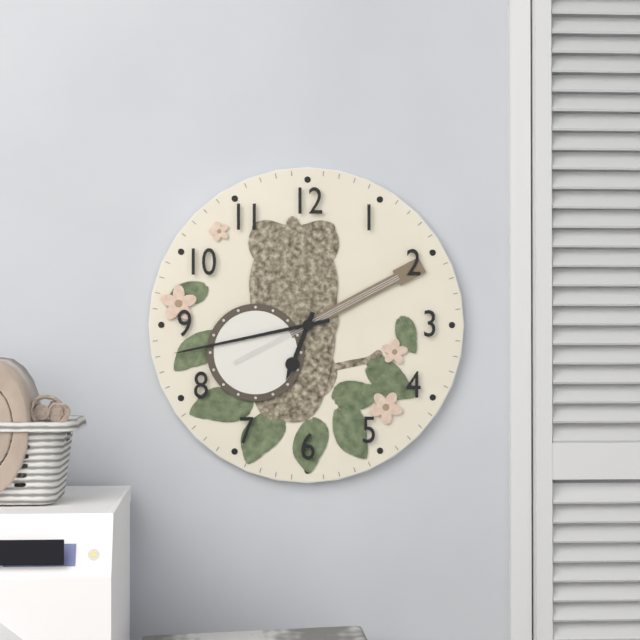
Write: {"hour": 6, "minute": 43}
